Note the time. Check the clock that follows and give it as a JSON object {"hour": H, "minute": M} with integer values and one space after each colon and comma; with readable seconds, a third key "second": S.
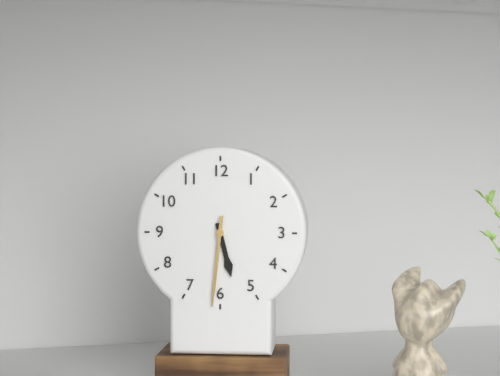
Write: {"hour": 5, "minute": 31}
